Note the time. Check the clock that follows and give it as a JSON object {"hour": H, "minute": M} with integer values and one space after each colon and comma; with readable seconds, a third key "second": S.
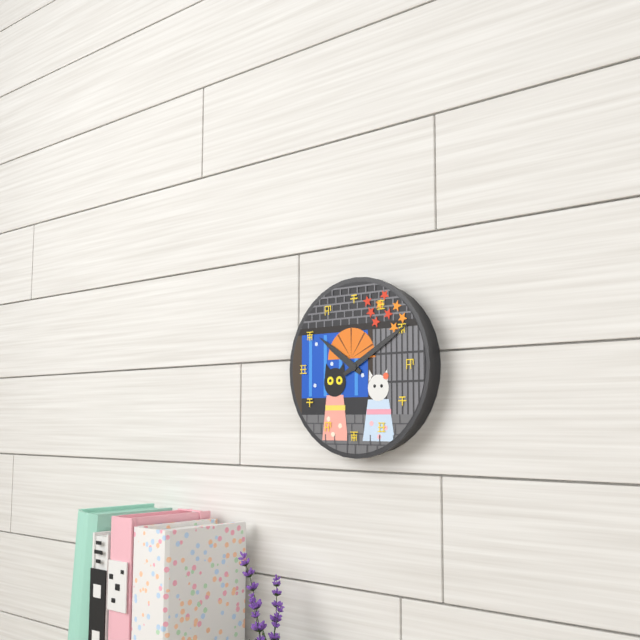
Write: {"hour": 10, "minute": 10}
